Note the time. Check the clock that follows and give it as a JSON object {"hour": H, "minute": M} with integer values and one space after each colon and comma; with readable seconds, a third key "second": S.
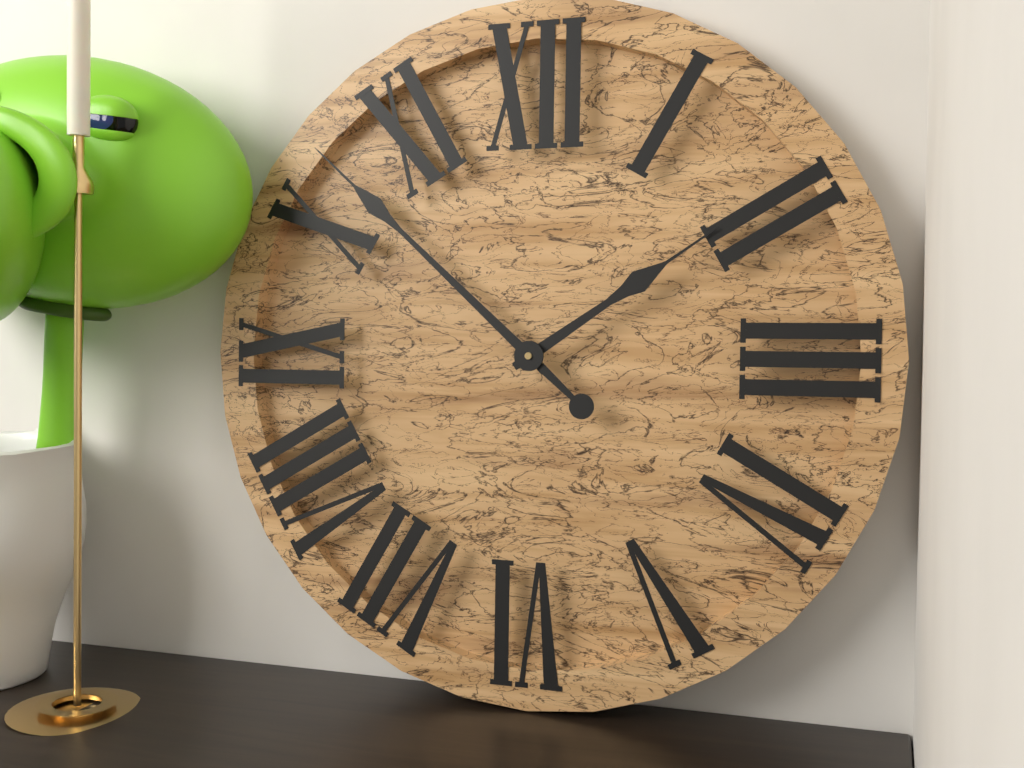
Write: {"hour": 1, "minute": 52}
